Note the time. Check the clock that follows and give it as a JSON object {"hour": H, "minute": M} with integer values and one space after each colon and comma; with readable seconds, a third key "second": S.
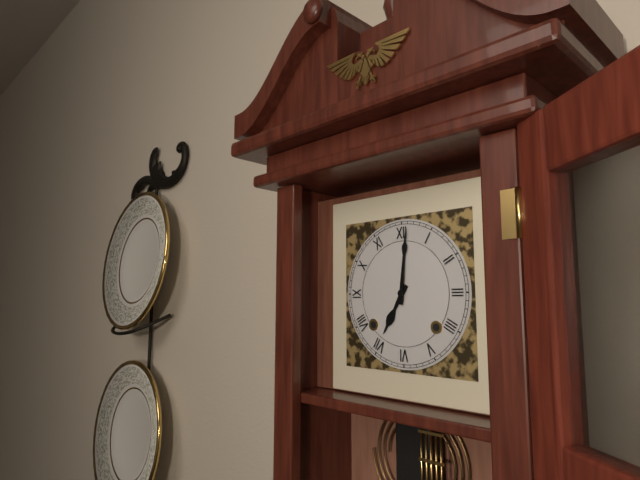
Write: {"hour": 7, "minute": 1}
